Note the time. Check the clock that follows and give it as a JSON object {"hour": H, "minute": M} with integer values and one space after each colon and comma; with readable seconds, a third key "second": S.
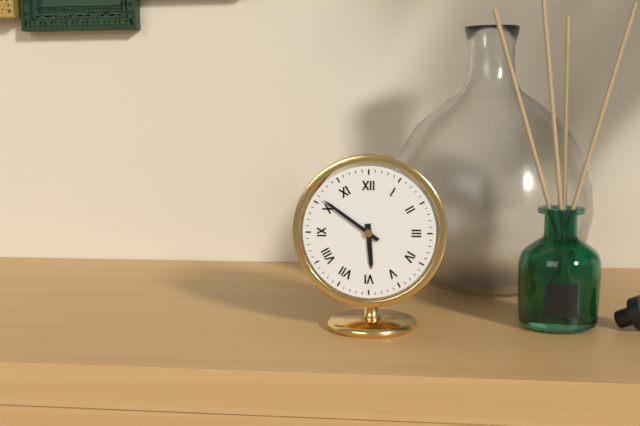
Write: {"hour": 5, "minute": 51}
